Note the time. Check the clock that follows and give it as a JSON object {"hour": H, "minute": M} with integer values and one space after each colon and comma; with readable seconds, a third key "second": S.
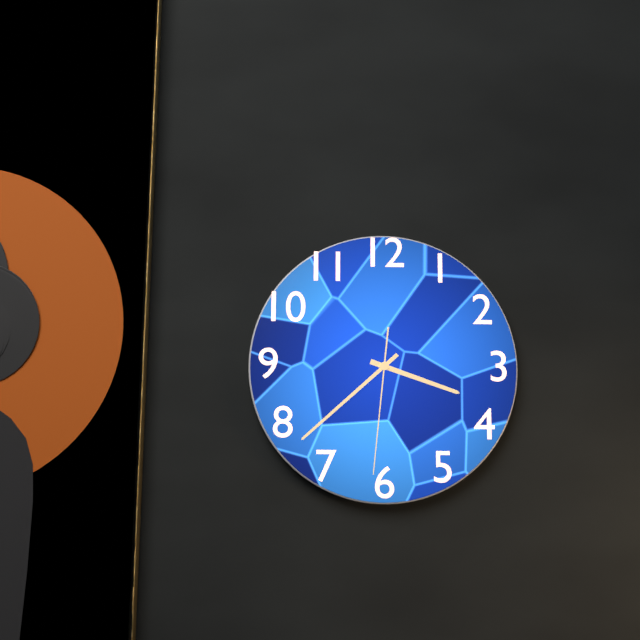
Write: {"hour": 3, "minute": 38, "second": 31}
